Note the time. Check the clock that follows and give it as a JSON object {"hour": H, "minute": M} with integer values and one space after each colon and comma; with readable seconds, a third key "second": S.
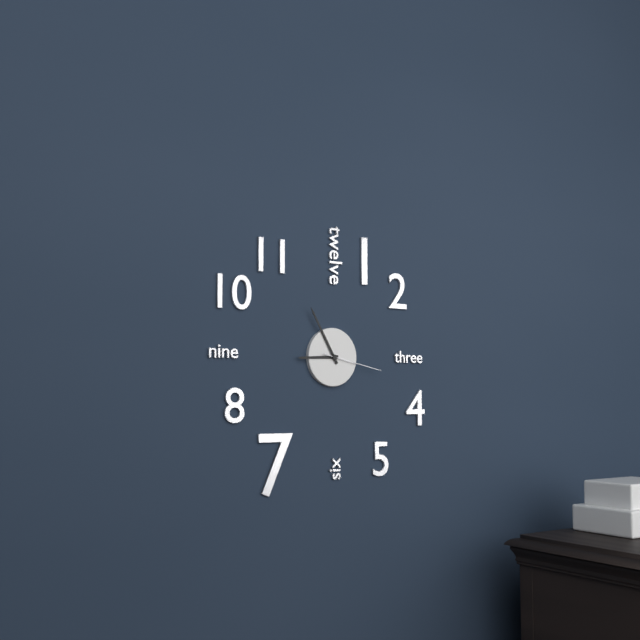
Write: {"hour": 8, "minute": 55, "second": 17}
